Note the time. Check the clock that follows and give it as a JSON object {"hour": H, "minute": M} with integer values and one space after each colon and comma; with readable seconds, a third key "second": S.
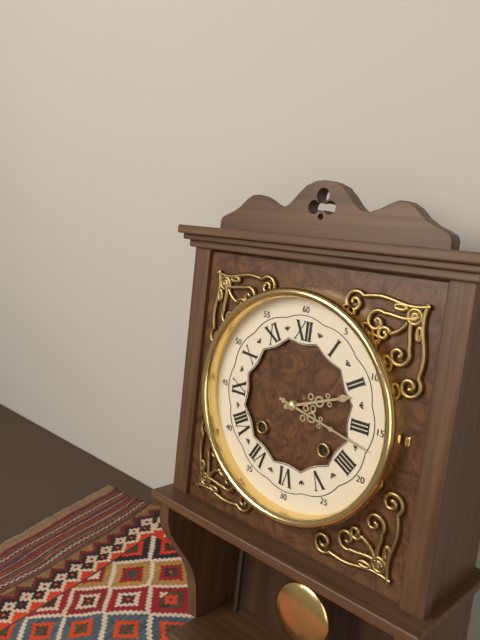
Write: {"hour": 2, "minute": 17}
